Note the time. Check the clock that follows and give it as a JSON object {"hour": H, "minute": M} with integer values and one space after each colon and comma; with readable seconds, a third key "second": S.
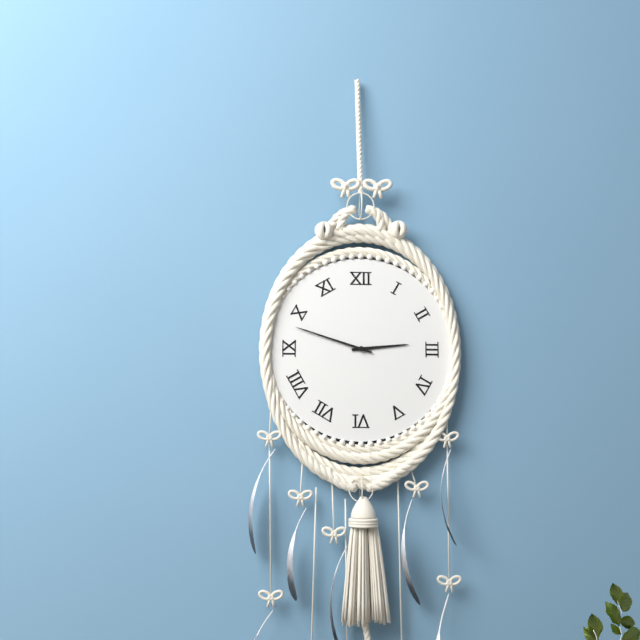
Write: {"hour": 2, "minute": 48}
